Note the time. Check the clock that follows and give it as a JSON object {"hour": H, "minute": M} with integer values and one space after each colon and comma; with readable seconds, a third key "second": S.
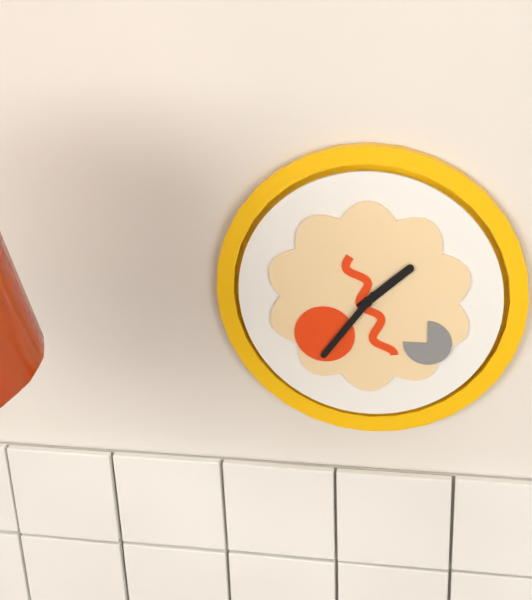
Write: {"hour": 1, "minute": 36}
